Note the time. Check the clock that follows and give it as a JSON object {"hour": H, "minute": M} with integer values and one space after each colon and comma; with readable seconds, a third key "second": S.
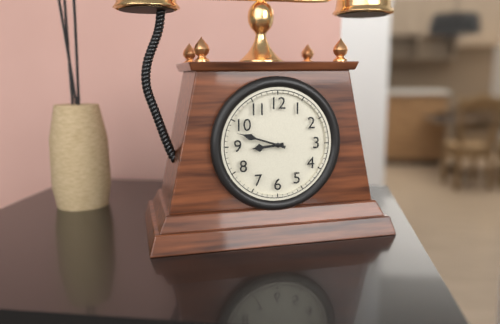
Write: {"hour": 8, "minute": 48}
